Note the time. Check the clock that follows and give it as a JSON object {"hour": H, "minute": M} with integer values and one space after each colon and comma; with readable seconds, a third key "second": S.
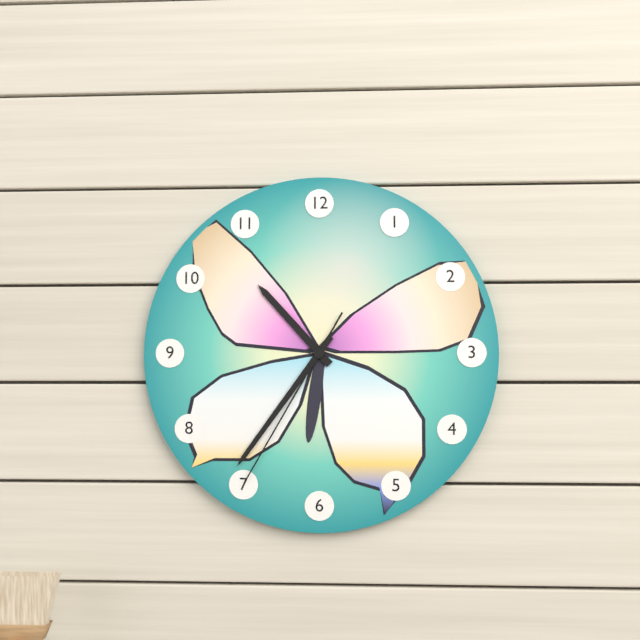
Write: {"hour": 10, "minute": 36, "second": 35}
